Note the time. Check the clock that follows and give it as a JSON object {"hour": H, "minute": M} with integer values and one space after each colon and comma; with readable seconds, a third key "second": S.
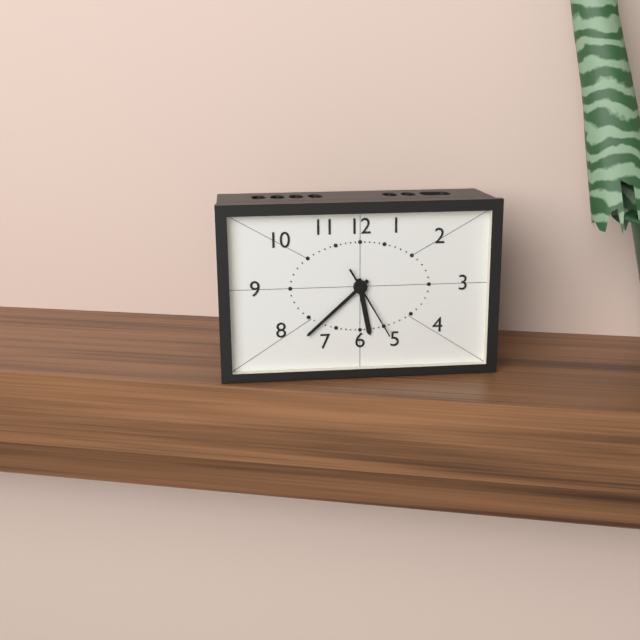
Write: {"hour": 5, "minute": 38, "second": 25}
